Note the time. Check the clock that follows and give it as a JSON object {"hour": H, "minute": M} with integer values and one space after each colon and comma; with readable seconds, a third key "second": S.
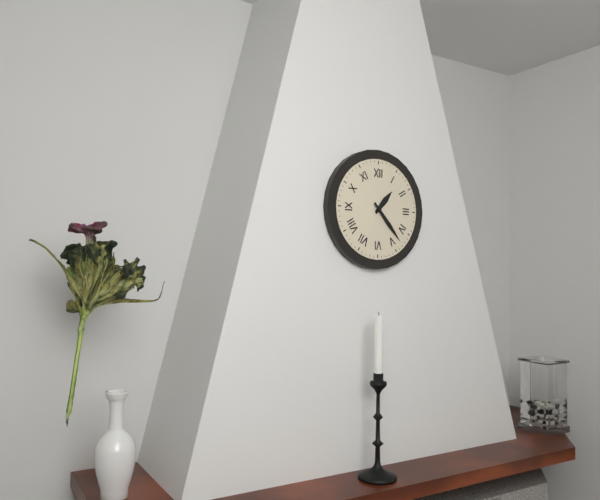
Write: {"hour": 1, "minute": 23}
